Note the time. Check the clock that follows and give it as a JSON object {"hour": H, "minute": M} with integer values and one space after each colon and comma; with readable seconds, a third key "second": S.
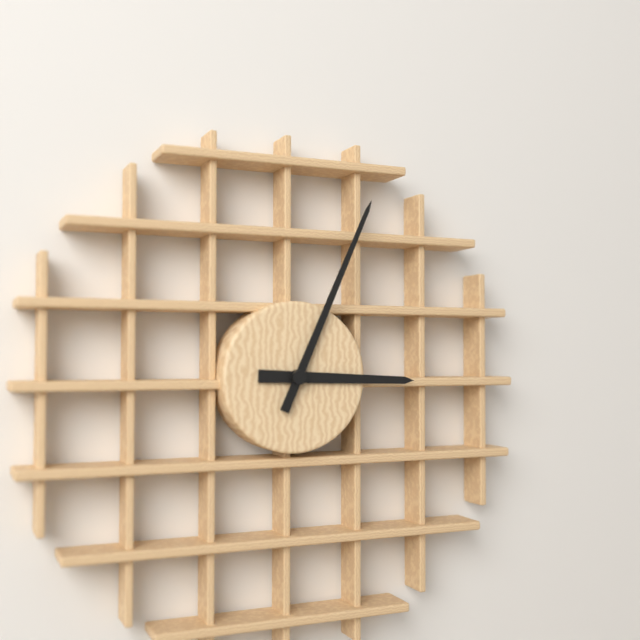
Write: {"hour": 3, "minute": 4}
